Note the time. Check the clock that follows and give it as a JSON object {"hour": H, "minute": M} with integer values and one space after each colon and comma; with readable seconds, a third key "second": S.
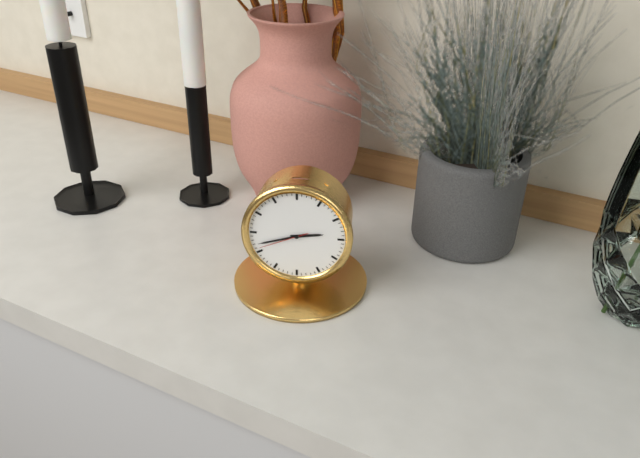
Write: {"hour": 2, "minute": 42, "second": 41}
